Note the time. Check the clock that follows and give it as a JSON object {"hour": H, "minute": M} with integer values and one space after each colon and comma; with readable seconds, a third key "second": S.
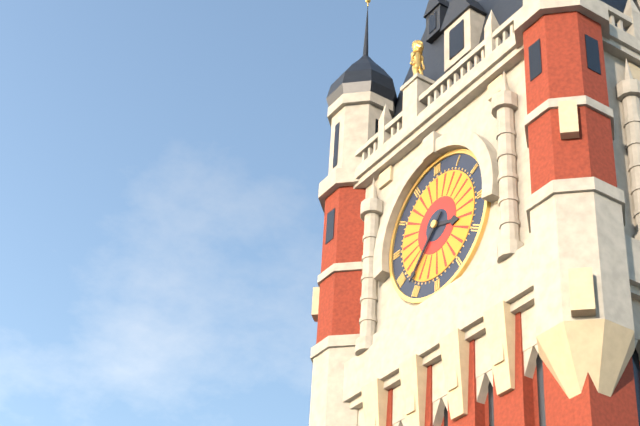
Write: {"hour": 3, "minute": 37}
